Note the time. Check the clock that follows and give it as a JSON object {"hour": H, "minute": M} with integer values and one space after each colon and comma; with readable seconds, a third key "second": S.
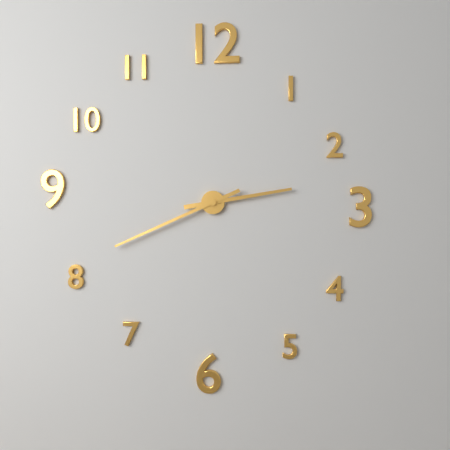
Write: {"hour": 2, "minute": 41}
